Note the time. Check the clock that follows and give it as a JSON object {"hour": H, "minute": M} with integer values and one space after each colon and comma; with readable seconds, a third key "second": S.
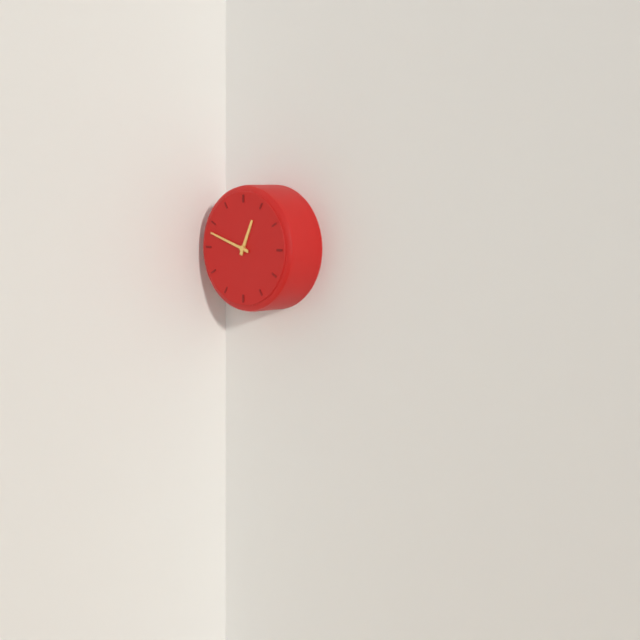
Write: {"hour": 12, "minute": 48}
